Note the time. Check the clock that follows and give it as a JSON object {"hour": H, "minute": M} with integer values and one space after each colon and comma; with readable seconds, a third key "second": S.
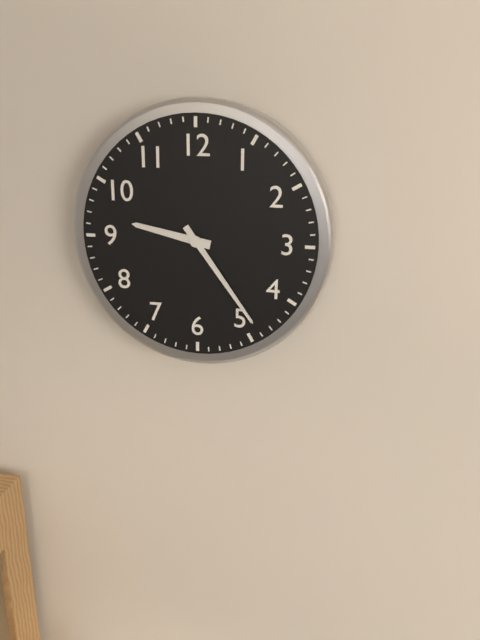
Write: {"hour": 9, "minute": 24}
